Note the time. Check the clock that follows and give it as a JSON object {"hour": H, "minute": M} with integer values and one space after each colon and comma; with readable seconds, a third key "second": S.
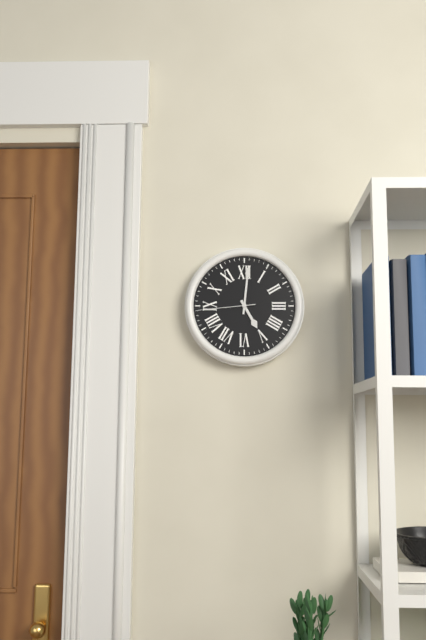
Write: {"hour": 5, "minute": 1, "second": 44}
